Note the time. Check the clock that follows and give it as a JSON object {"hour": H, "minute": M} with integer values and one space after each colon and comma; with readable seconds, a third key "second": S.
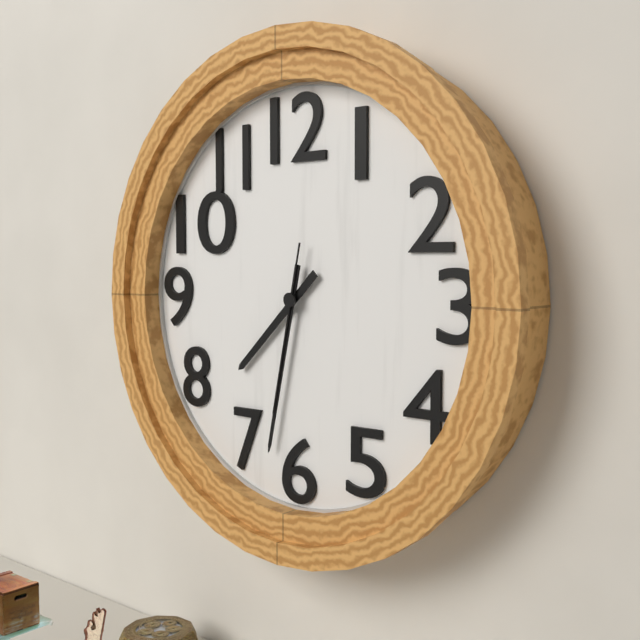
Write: {"hour": 7, "minute": 32, "second": 32}
